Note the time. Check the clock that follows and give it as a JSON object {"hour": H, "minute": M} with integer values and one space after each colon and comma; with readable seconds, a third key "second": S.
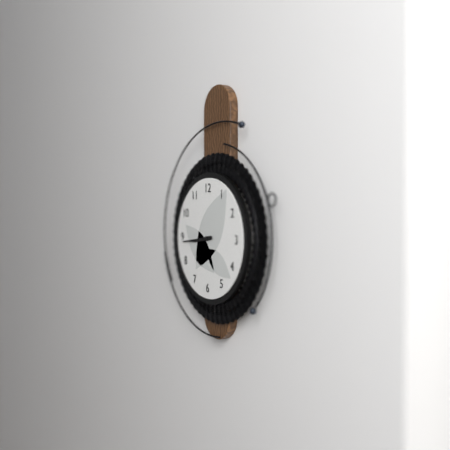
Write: {"hour": 8, "minute": 44}
